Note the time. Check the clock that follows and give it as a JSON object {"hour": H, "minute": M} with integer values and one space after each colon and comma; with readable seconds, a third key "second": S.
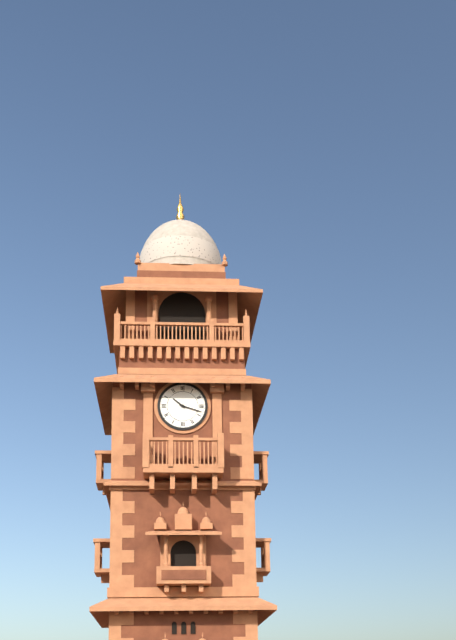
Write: {"hour": 10, "minute": 18}
